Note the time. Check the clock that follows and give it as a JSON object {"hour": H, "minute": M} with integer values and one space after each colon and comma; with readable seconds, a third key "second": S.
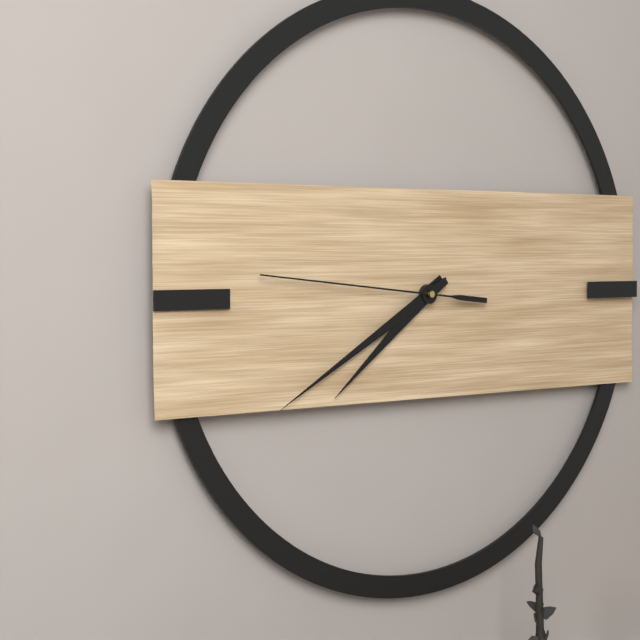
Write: {"hour": 7, "minute": 40, "second": 46}
